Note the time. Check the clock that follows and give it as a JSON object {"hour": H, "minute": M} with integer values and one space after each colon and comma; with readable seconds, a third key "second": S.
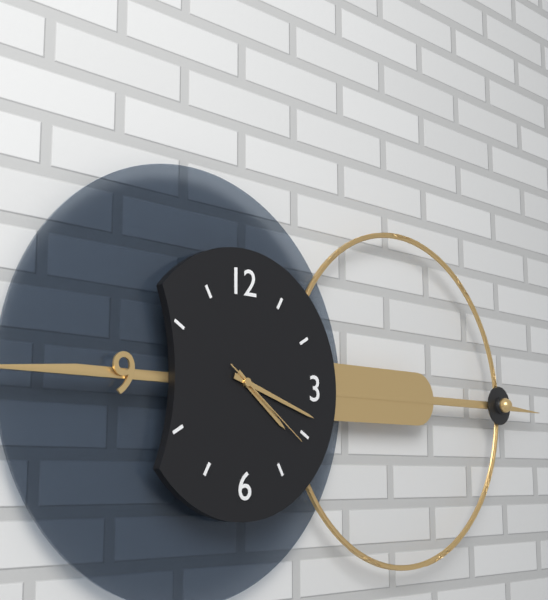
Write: {"hour": 4, "minute": 18, "second": 21}
